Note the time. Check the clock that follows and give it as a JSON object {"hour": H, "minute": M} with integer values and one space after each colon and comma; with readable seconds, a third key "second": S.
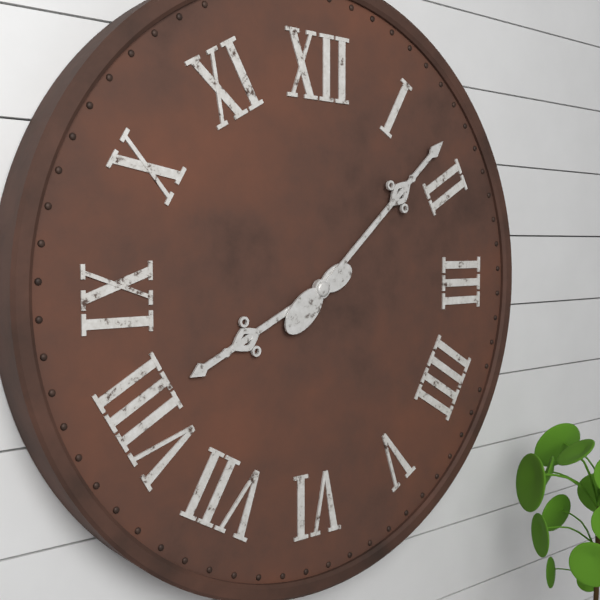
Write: {"hour": 8, "minute": 8}
